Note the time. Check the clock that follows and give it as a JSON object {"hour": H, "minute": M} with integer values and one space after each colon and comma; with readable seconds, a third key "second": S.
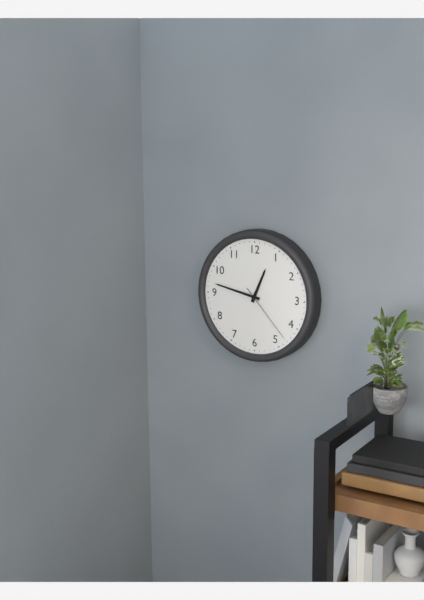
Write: {"hour": 12, "minute": 47, "second": 23}
